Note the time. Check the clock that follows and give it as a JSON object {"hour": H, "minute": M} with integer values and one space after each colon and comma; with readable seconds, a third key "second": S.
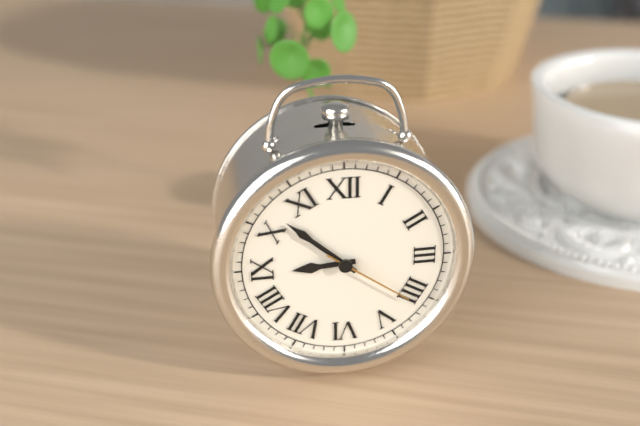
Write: {"hour": 8, "minute": 52, "second": 21}
